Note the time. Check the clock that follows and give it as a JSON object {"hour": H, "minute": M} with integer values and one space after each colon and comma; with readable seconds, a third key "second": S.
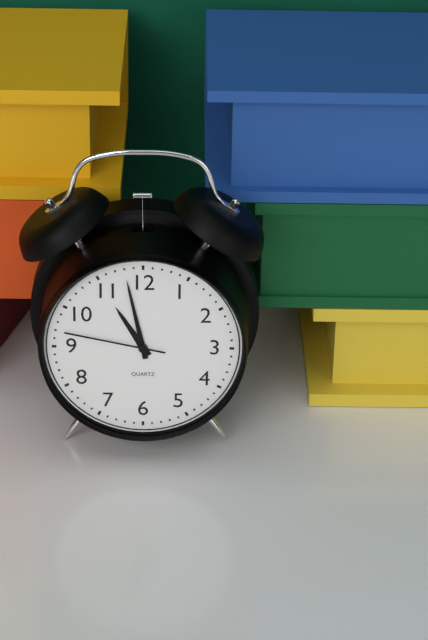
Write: {"hour": 10, "minute": 58, "second": 47}
